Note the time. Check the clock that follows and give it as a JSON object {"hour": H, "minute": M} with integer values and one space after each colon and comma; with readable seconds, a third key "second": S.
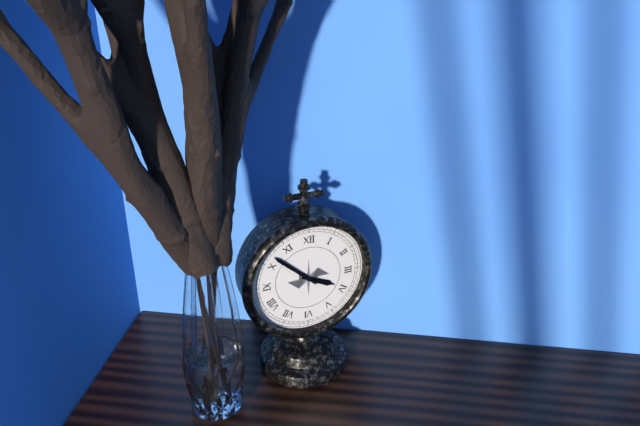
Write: {"hour": 3, "minute": 52}
